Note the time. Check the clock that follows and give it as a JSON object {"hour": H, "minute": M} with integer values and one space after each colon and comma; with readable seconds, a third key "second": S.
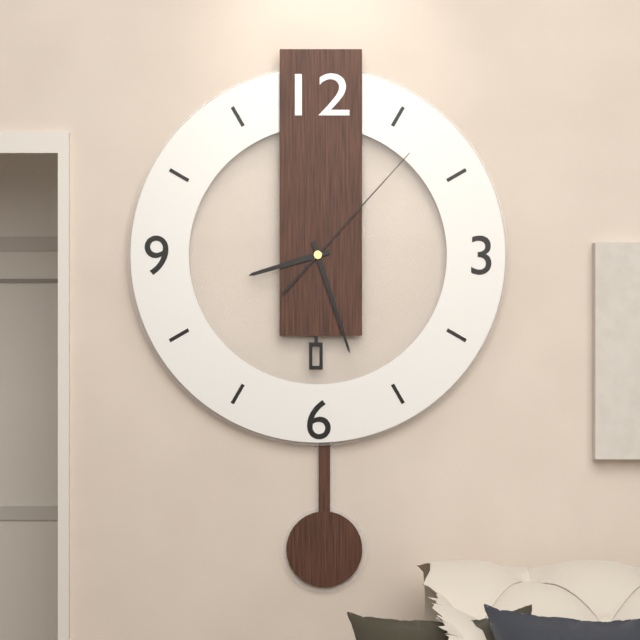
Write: {"hour": 8, "minute": 27, "second": 7}
